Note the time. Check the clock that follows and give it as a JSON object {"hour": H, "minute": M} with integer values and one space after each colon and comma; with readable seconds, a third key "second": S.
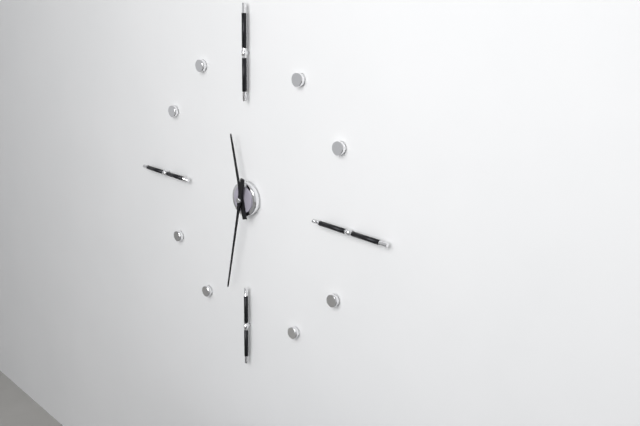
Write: {"hour": 11, "minute": 32}
